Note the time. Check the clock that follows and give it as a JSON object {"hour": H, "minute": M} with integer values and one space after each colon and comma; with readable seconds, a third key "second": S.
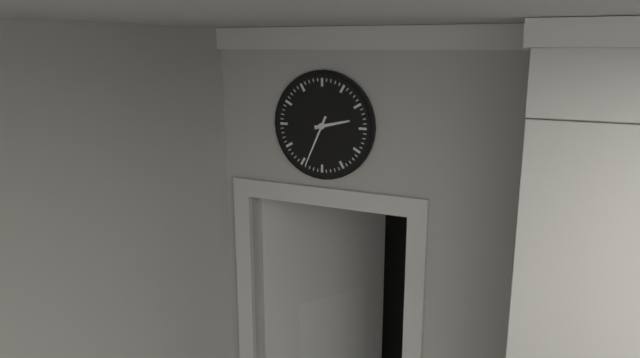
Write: {"hour": 2, "minute": 34}
